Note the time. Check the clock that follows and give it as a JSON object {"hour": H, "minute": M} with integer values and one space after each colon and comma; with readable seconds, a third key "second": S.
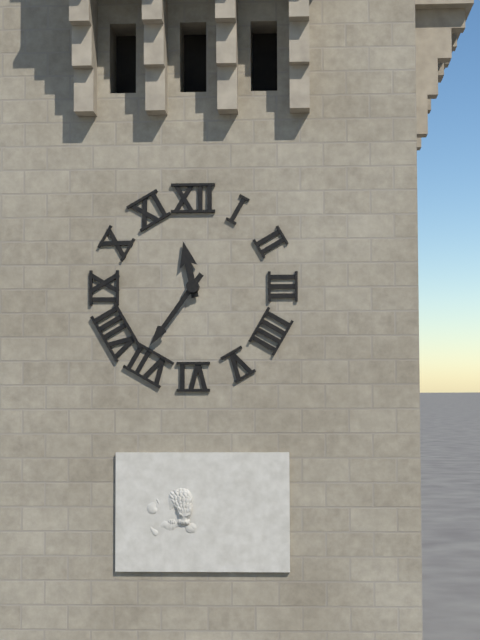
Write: {"hour": 11, "minute": 36}
